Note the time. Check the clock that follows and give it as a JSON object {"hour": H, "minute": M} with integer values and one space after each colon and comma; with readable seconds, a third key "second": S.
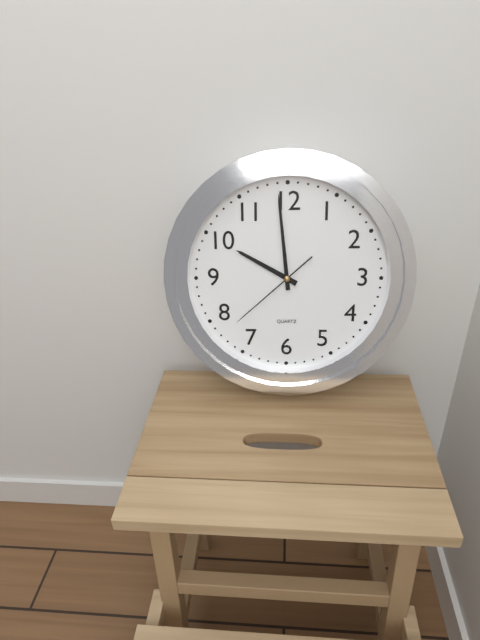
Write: {"hour": 9, "minute": 59, "second": 38}
